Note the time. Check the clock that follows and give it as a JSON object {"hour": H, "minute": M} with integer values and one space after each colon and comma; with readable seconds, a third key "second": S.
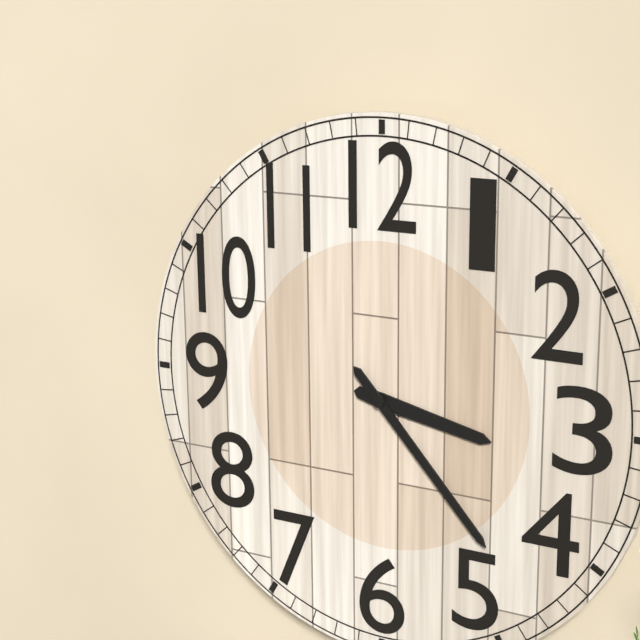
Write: {"hour": 3, "minute": 23}
